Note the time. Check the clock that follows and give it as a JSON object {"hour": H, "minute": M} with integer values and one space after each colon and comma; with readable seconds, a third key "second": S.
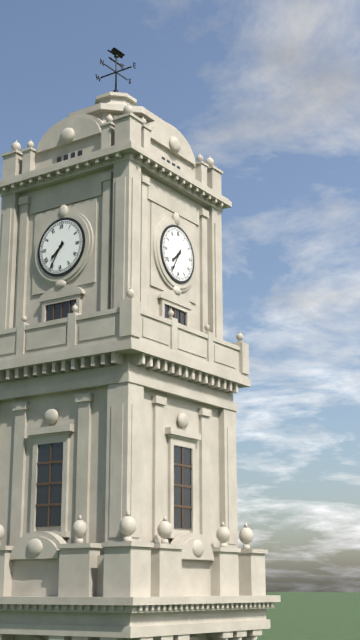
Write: {"hour": 7, "minute": 35}
